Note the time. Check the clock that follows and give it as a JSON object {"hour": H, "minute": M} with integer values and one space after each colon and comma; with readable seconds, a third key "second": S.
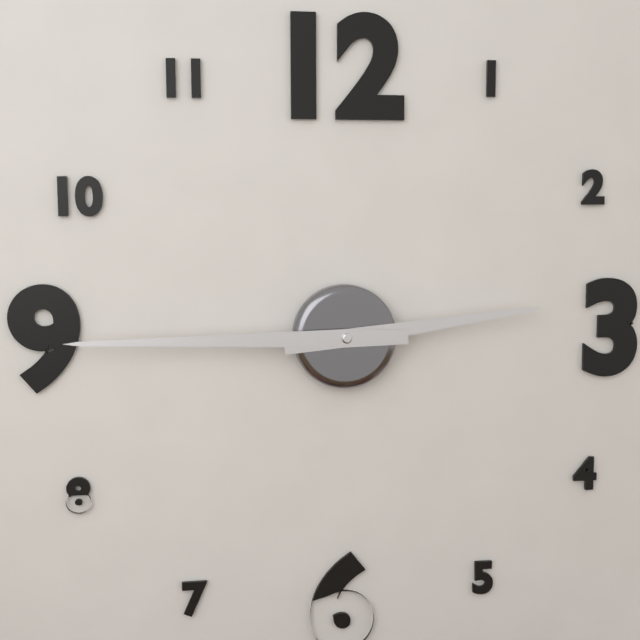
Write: {"hour": 2, "minute": 45}
